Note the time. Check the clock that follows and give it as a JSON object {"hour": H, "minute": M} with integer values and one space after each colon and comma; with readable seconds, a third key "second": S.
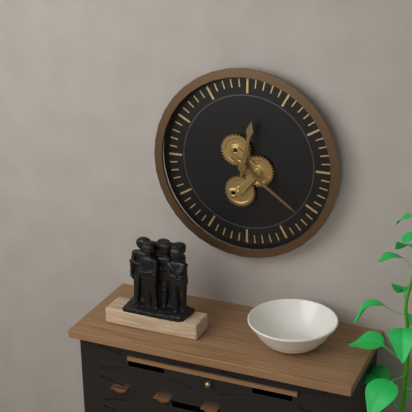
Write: {"hour": 12, "minute": 21}
